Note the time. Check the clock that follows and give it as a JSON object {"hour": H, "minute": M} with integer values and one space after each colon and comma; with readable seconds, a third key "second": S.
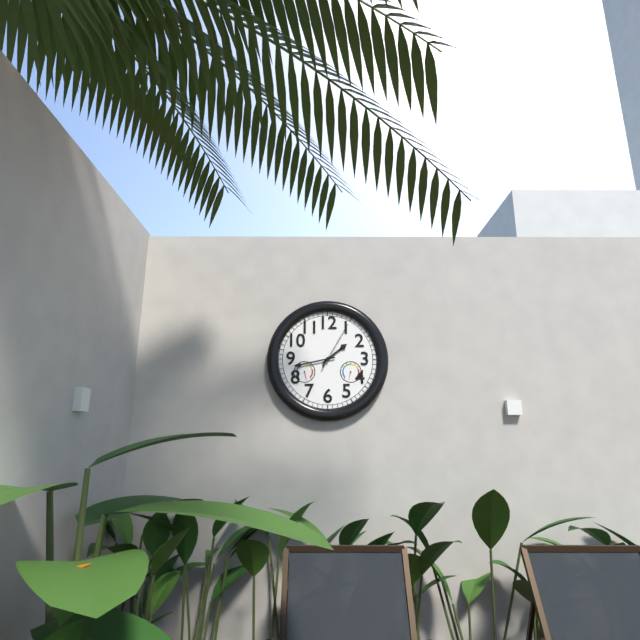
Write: {"hour": 1, "minute": 43}
